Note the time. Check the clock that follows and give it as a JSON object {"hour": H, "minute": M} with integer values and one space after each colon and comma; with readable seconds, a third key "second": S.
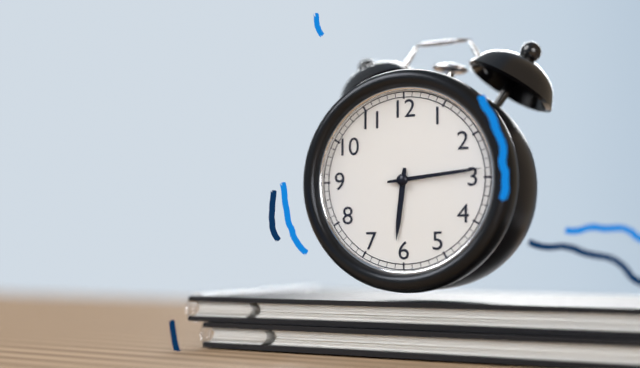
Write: {"hour": 6, "minute": 14}
